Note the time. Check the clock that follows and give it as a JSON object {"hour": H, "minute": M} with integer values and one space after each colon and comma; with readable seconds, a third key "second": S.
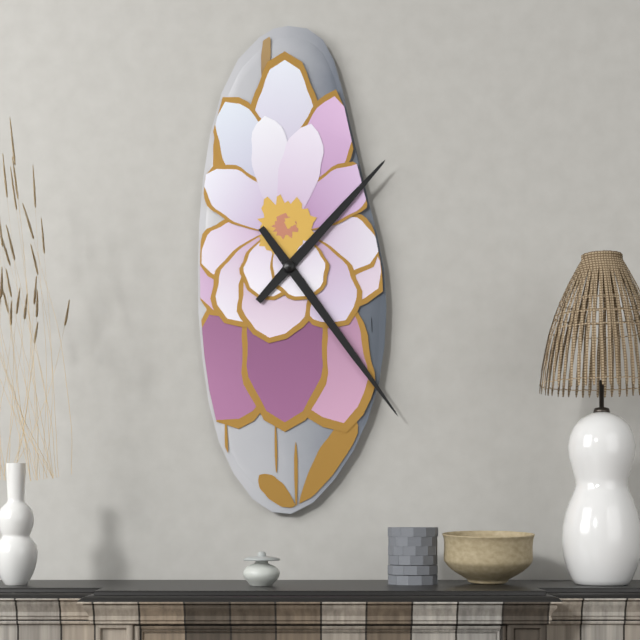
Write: {"hour": 1, "minute": 24}
